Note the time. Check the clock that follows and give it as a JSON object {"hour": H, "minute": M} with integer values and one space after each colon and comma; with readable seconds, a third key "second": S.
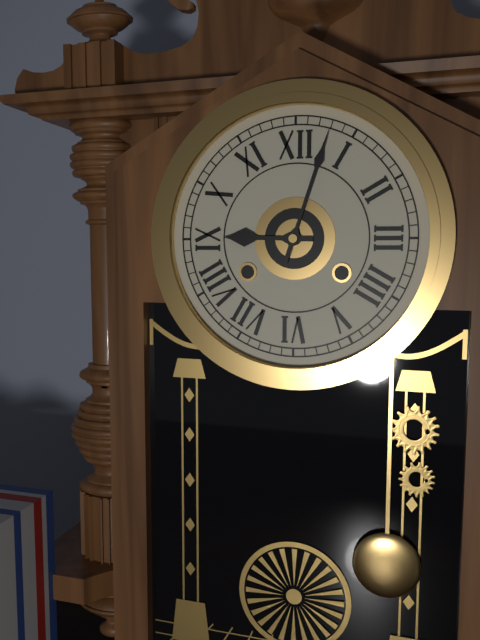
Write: {"hour": 9, "minute": 3}
